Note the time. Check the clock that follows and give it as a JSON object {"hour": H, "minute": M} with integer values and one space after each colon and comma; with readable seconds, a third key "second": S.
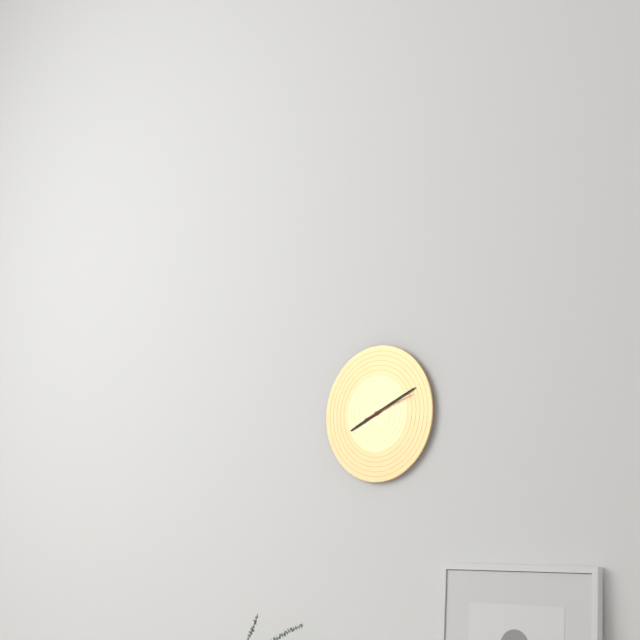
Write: {"hour": 8, "minute": 11, "second": 12}
